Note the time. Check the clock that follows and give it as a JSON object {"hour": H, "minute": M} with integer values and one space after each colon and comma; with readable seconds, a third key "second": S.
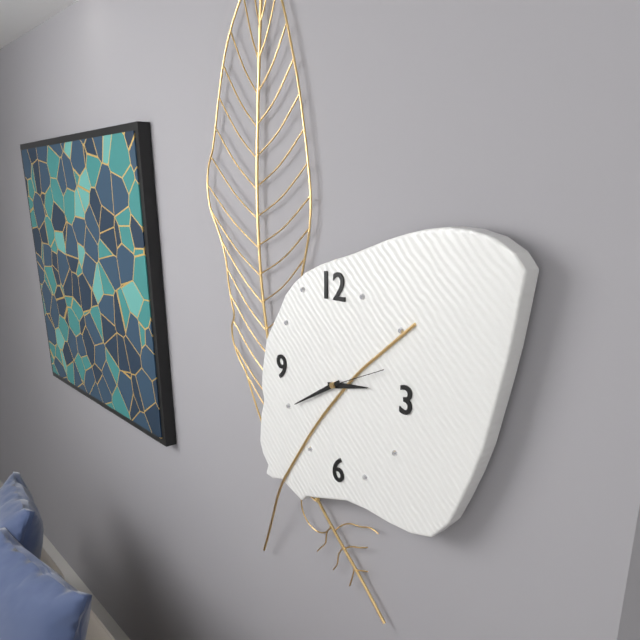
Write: {"hour": 2, "minute": 40, "second": 11}
